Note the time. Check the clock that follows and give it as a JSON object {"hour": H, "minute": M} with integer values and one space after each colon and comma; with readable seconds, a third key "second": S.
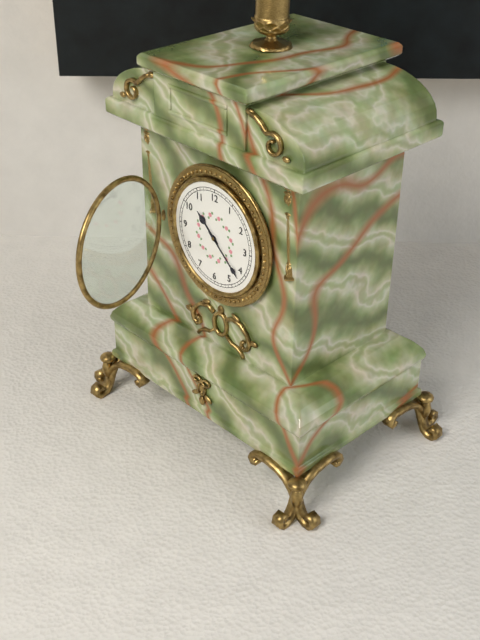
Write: {"hour": 10, "minute": 22}
